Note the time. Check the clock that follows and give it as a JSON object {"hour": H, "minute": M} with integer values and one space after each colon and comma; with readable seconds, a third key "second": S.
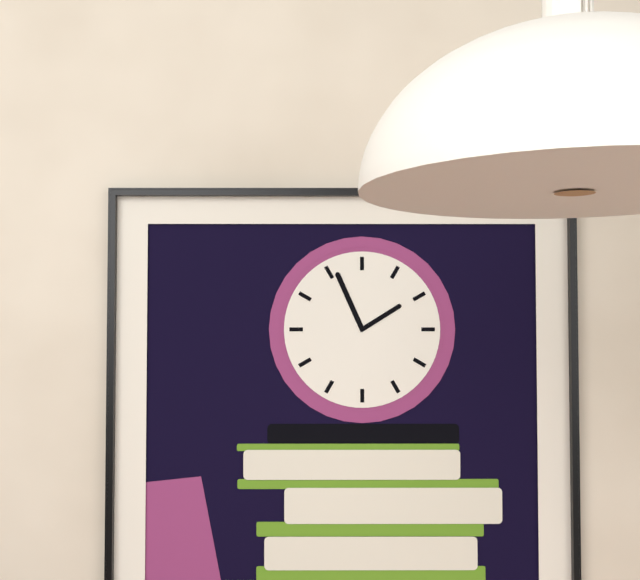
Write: {"hour": 1, "minute": 56}
